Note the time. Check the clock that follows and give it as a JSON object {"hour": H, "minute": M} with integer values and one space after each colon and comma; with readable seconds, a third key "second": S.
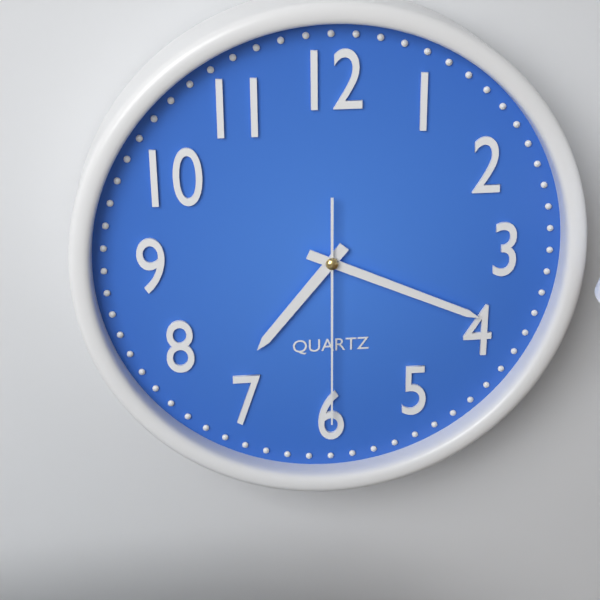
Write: {"hour": 7, "minute": 19, "second": 30}
